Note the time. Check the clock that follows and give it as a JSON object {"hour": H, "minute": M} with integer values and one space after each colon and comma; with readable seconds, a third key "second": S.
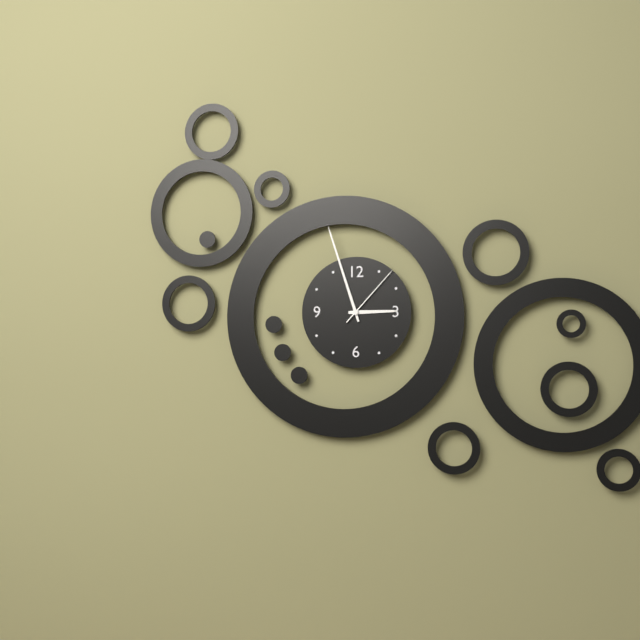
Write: {"hour": 2, "minute": 57, "second": 7}
